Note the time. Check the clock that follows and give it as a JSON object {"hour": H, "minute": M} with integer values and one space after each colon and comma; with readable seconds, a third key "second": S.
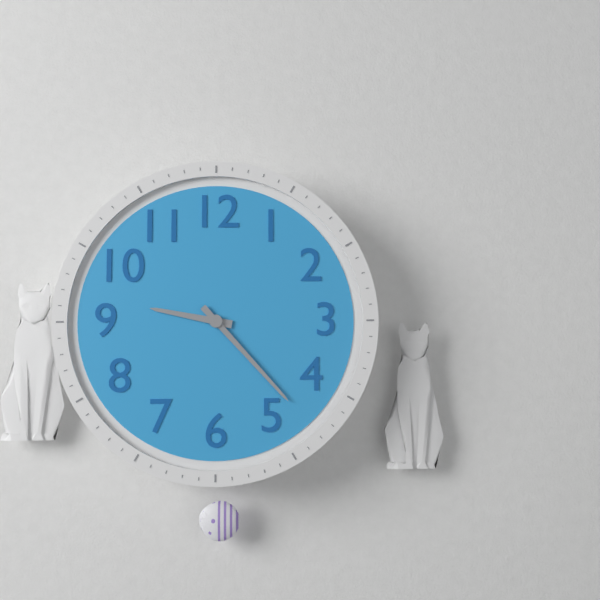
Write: {"hour": 9, "minute": 23}
